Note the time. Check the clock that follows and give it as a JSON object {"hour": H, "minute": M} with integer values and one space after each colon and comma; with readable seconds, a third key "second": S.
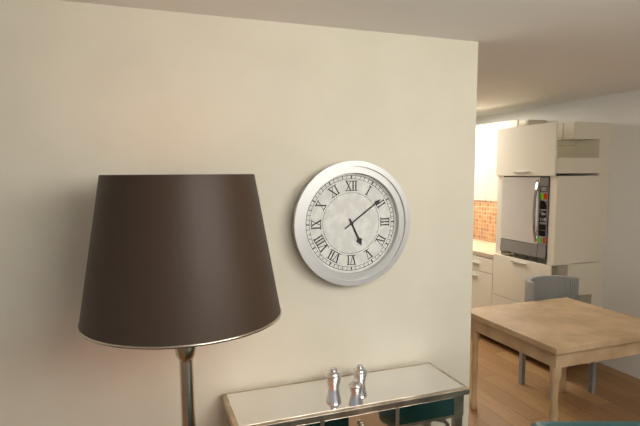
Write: {"hour": 5, "minute": 9}
